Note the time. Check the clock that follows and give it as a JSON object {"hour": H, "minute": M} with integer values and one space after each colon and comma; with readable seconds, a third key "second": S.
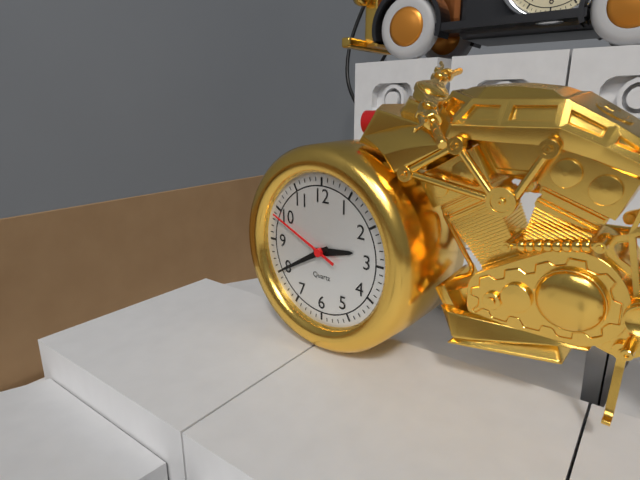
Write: {"hour": 2, "minute": 40, "second": 49}
